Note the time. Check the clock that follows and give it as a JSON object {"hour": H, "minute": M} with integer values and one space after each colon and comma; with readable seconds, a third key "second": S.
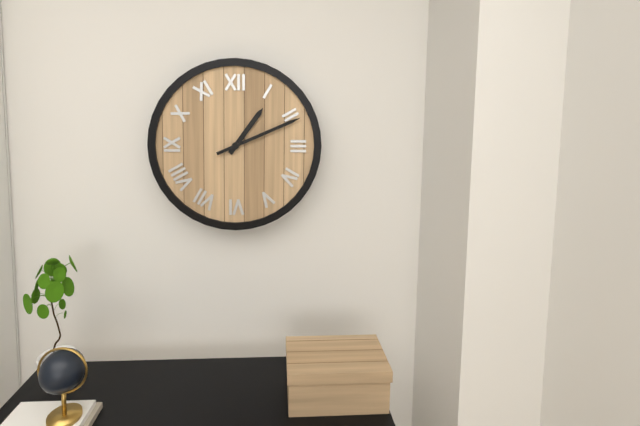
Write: {"hour": 1, "minute": 11}
